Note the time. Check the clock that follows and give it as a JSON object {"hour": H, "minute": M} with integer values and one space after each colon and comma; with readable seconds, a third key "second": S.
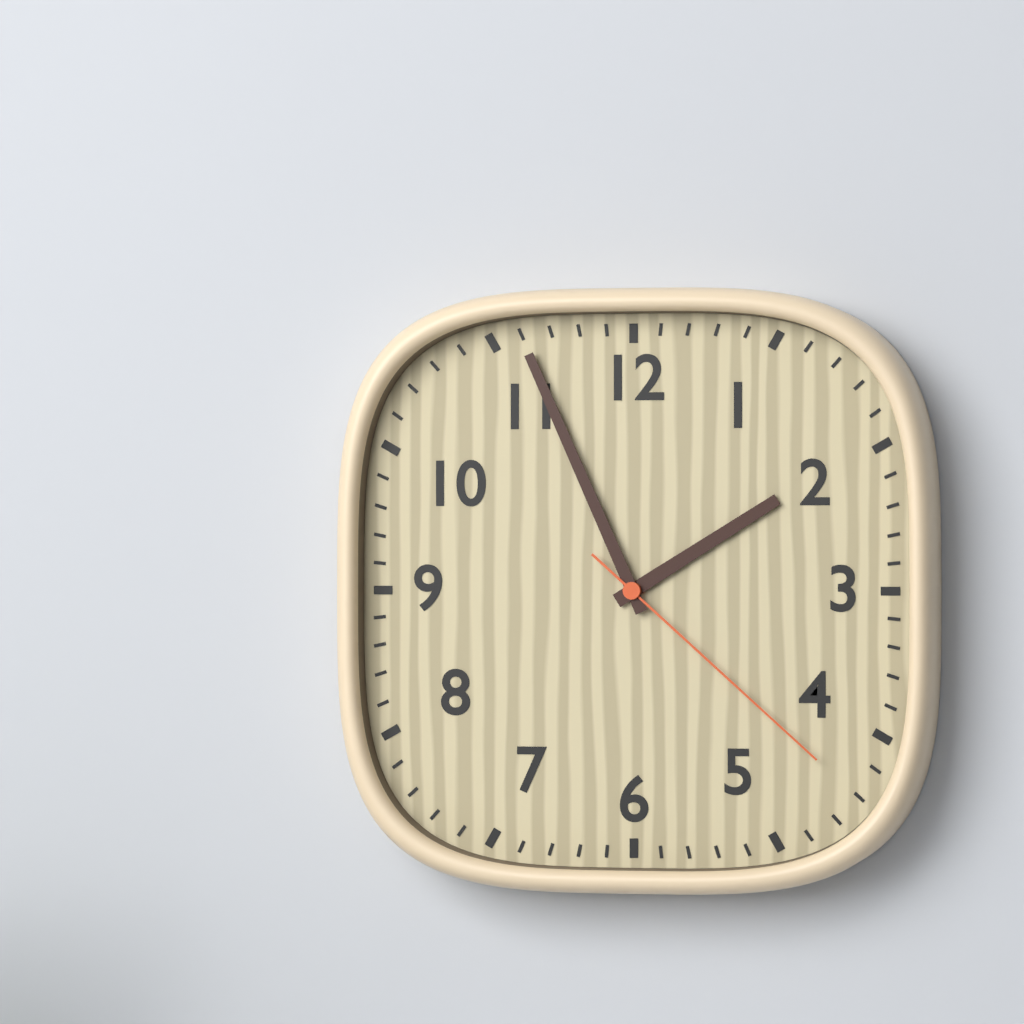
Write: {"hour": 1, "minute": 56, "second": 22}
